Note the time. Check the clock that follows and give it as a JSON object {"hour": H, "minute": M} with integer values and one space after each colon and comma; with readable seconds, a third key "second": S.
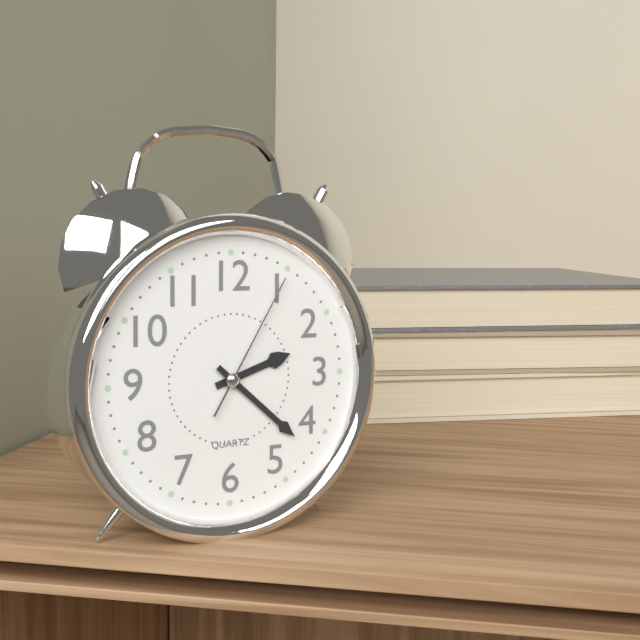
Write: {"hour": 2, "minute": 22, "second": 5}
